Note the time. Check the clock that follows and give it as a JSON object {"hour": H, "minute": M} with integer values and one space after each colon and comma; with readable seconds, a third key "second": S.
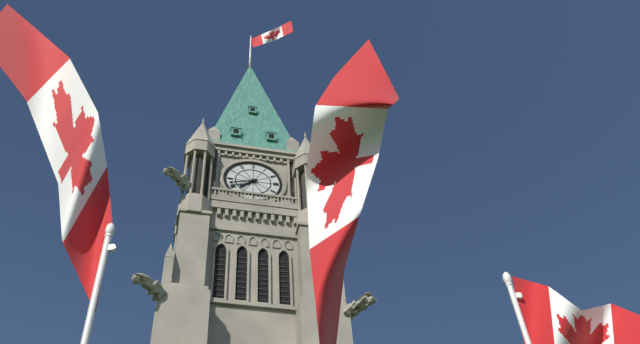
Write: {"hour": 7, "minute": 42}
